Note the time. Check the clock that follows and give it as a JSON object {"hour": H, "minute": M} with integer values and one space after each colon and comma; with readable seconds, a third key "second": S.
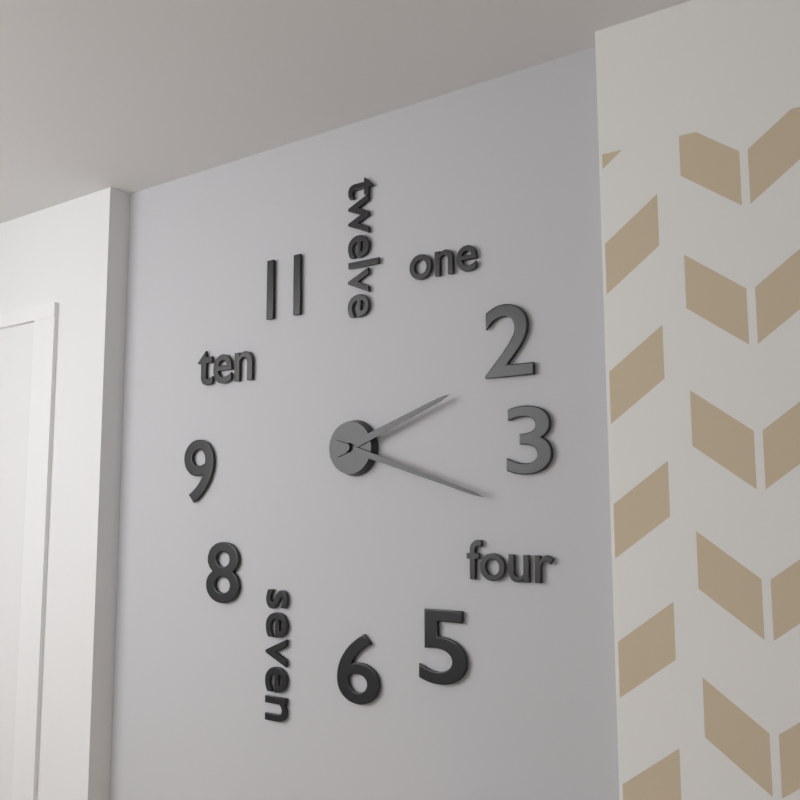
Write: {"hour": 2, "minute": 18}
